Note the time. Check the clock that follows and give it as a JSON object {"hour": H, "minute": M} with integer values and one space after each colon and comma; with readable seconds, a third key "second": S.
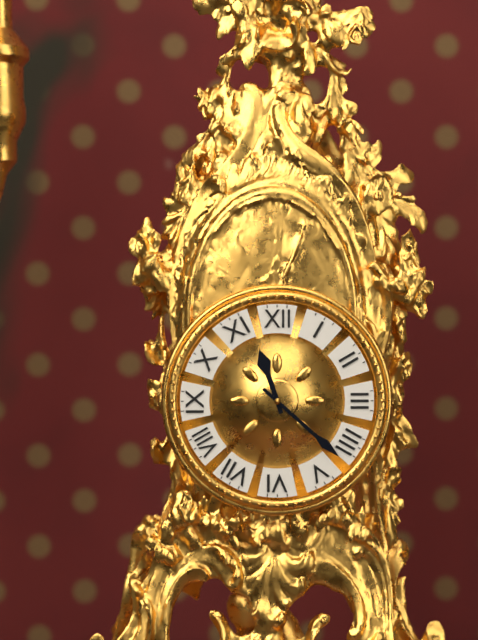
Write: {"hour": 11, "minute": 22}
